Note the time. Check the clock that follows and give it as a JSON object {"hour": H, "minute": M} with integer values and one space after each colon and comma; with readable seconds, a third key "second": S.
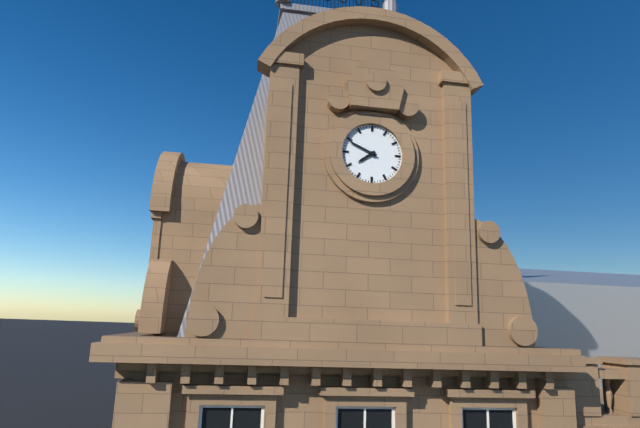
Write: {"hour": 7, "minute": 49}
